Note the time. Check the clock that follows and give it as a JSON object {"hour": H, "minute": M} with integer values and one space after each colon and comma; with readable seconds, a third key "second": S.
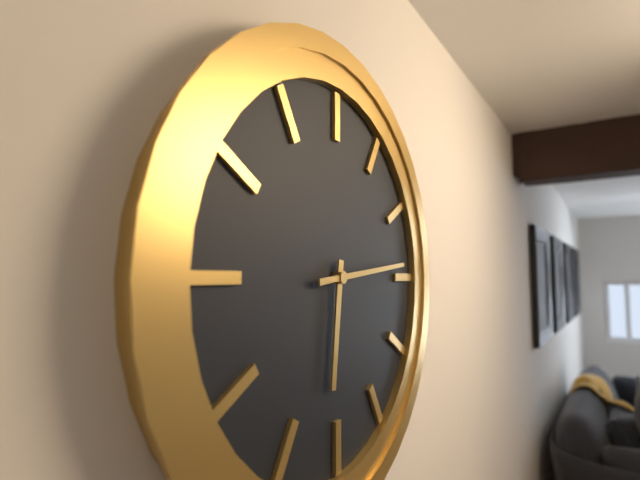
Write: {"hour": 6, "minute": 14}
